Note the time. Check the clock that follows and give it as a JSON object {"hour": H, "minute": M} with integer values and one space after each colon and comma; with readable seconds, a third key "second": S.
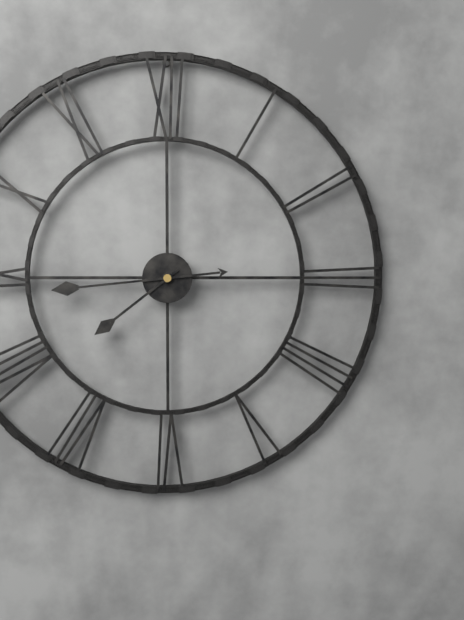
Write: {"hour": 7, "minute": 44}
